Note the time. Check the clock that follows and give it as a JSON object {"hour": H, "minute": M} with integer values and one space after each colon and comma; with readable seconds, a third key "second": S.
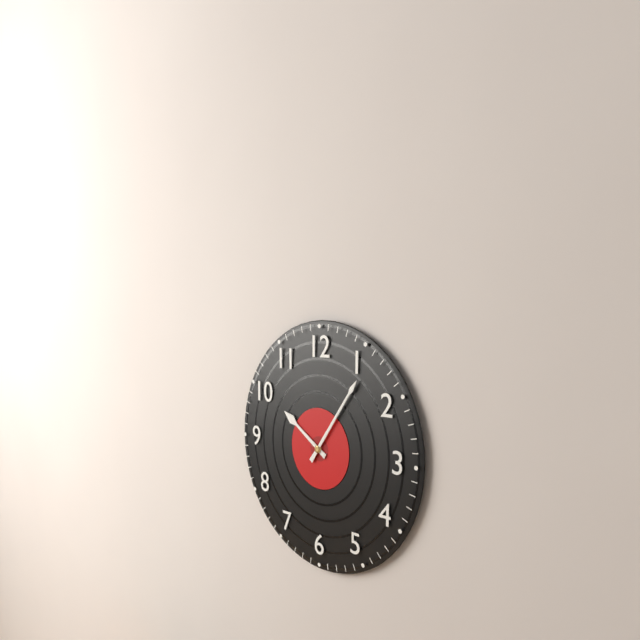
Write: {"hour": 10, "minute": 6}
